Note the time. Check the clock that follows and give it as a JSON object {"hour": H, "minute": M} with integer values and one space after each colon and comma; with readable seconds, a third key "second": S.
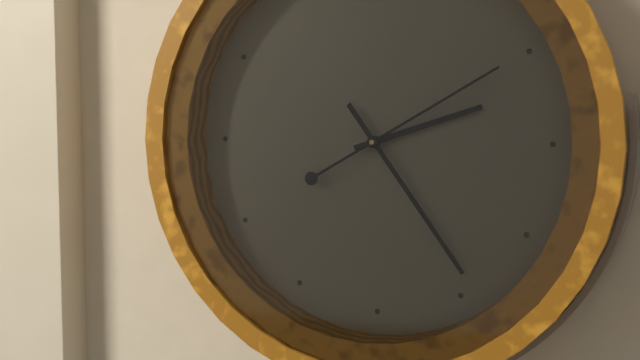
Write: {"hour": 2, "minute": 24, "second": 10}
